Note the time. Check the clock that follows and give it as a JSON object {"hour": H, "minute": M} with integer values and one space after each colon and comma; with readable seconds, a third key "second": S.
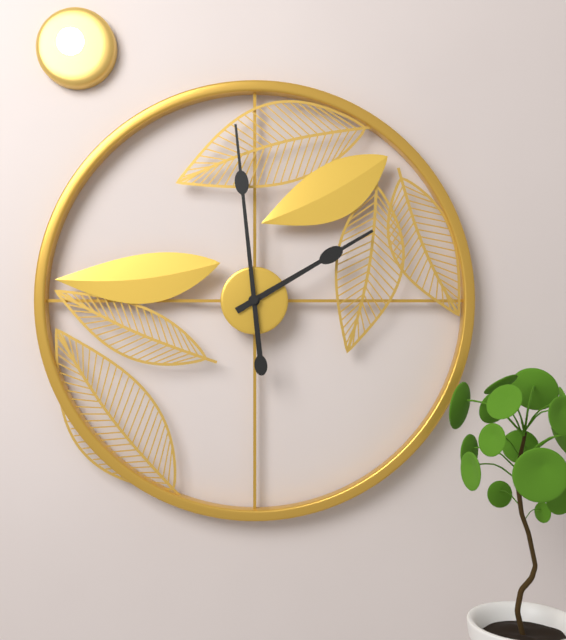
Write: {"hour": 1, "minute": 59}
